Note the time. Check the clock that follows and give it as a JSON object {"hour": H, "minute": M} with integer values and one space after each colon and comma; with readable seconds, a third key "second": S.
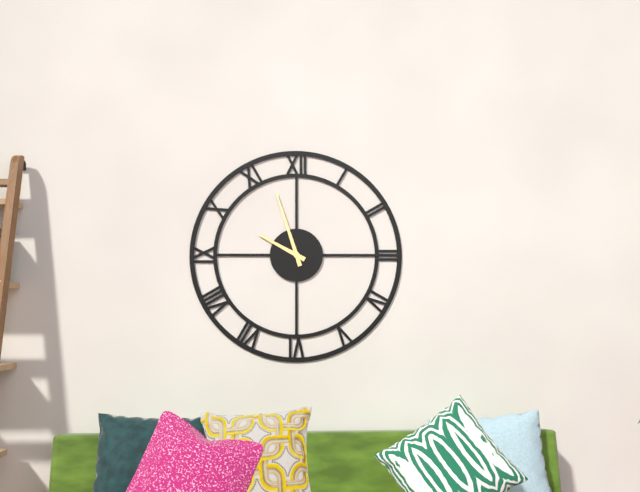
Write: {"hour": 9, "minute": 57}
